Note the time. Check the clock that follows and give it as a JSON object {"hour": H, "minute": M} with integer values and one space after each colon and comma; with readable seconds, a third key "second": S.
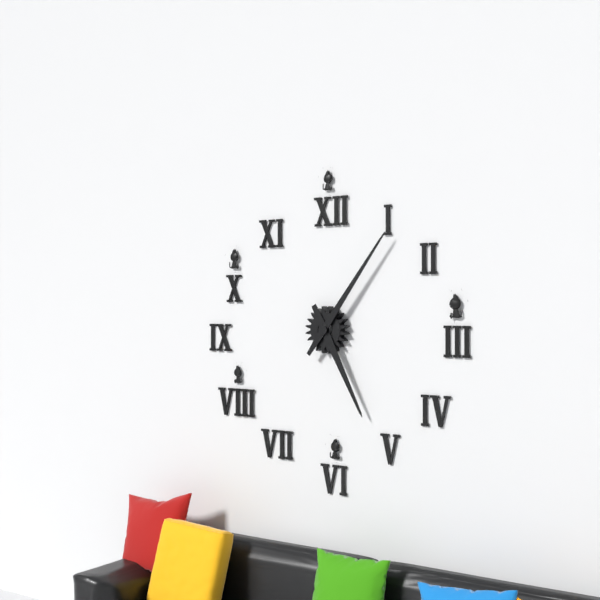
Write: {"hour": 5, "minute": 6}
